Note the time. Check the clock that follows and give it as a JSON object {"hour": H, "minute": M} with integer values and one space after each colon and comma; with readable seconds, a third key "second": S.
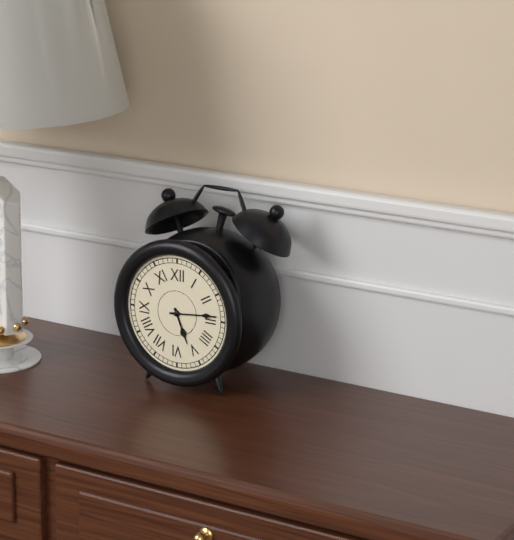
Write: {"hour": 5, "minute": 14}
